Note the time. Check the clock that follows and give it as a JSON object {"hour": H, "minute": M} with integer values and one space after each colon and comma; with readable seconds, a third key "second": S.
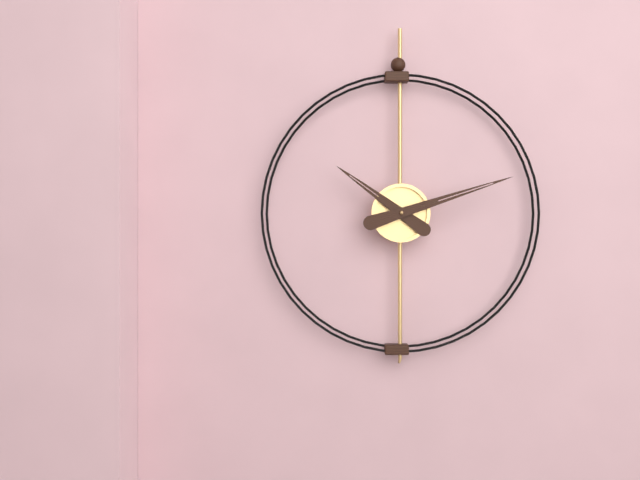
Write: {"hour": 10, "minute": 12}
